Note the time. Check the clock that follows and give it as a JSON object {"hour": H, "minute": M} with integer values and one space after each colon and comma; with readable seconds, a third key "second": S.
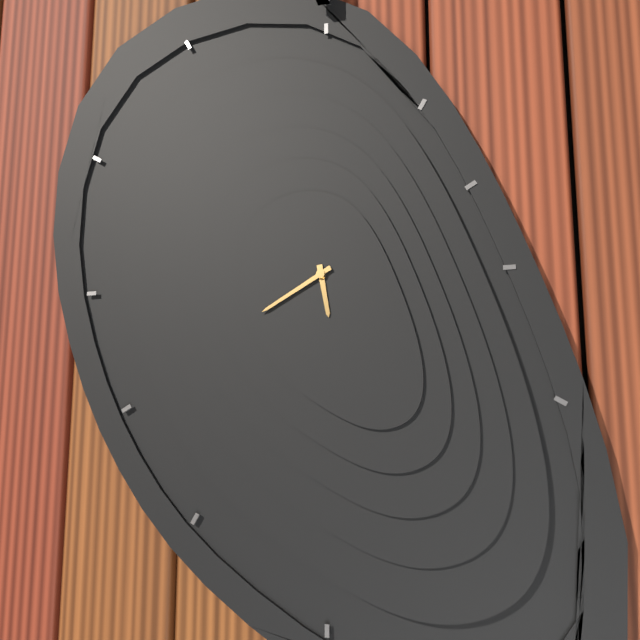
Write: {"hour": 5, "minute": 40}
